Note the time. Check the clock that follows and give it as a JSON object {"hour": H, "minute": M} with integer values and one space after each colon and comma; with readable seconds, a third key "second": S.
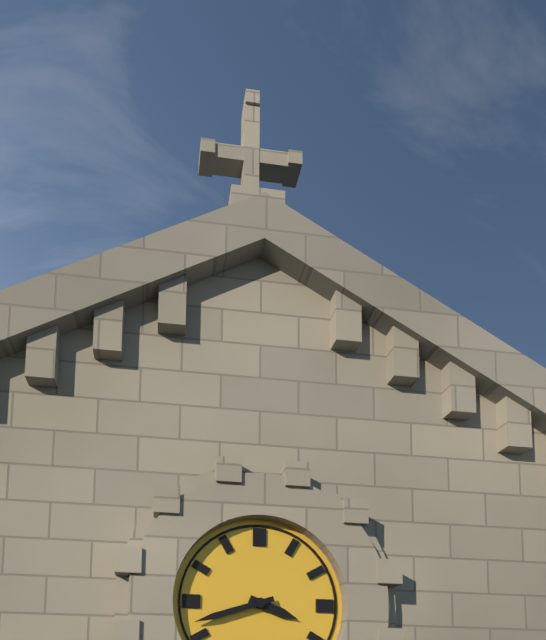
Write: {"hour": 3, "minute": 42}
